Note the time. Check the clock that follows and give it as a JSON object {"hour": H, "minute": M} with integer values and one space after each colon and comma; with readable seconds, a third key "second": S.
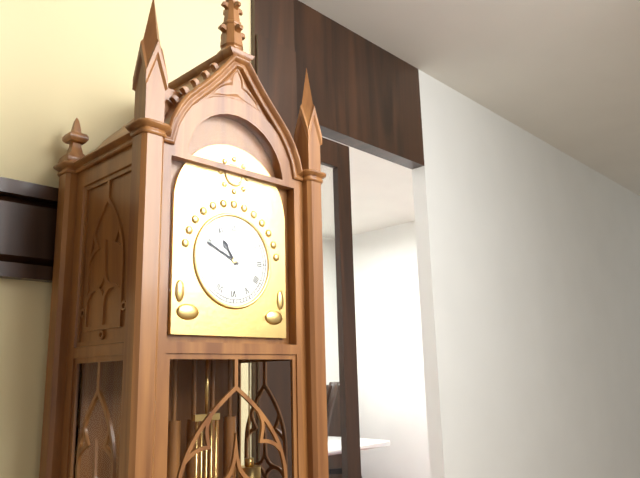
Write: {"hour": 10, "minute": 49}
